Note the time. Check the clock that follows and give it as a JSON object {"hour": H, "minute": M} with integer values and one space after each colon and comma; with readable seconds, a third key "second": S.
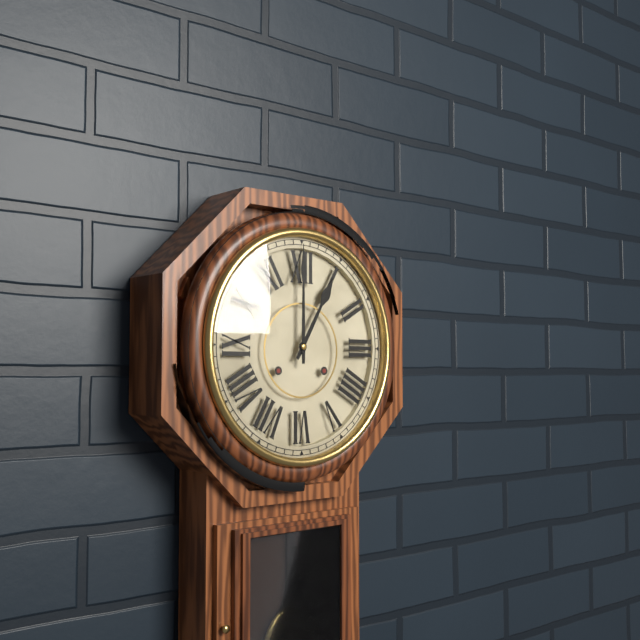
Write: {"hour": 1, "minute": 0}
